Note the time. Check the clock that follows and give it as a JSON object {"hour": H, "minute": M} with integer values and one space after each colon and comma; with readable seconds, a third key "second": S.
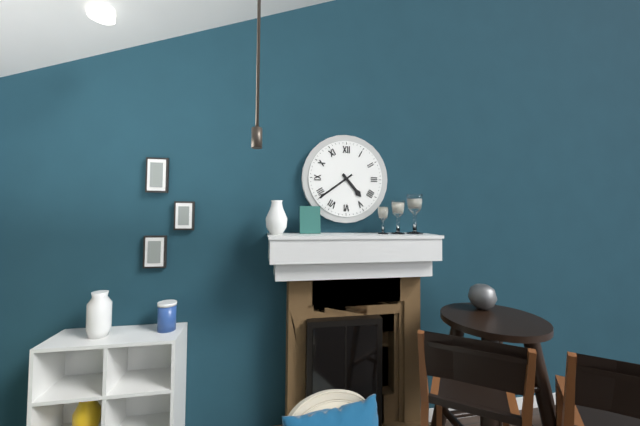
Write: {"hour": 4, "minute": 39}
